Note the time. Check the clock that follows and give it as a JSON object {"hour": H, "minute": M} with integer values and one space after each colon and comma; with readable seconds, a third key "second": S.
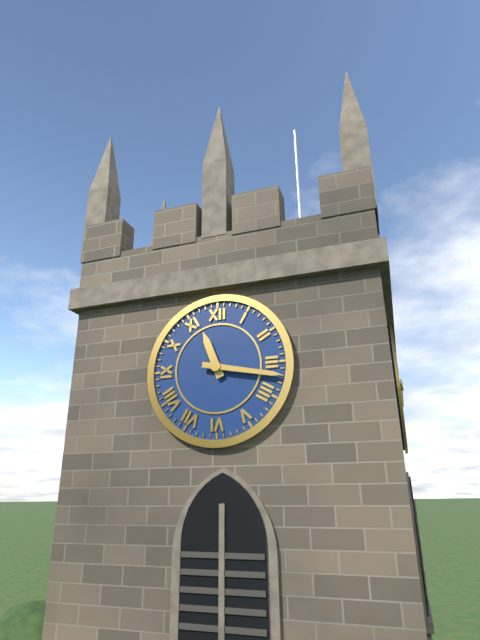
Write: {"hour": 11, "minute": 17}
